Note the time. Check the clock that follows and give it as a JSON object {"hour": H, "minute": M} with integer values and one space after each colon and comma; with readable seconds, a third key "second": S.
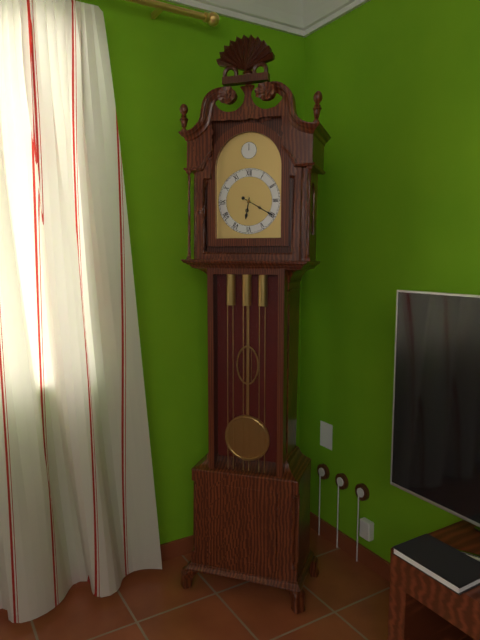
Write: {"hour": 6, "minute": 20}
